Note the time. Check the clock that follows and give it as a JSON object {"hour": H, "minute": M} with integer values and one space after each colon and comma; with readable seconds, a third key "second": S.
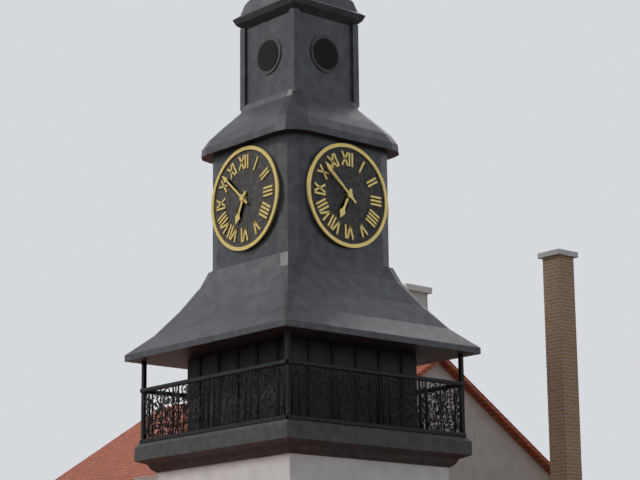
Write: {"hour": 6, "minute": 52}
